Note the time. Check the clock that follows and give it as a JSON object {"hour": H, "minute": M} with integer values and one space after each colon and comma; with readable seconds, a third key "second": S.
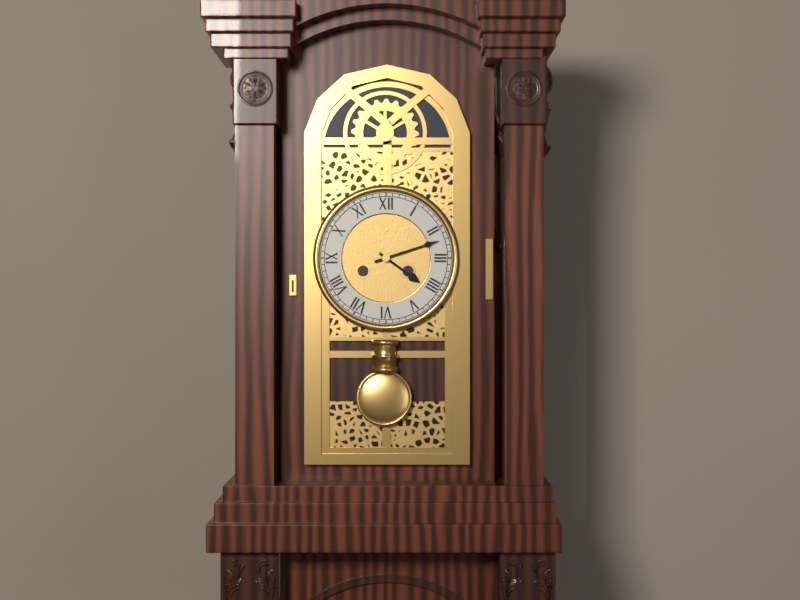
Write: {"hour": 4, "minute": 12}
